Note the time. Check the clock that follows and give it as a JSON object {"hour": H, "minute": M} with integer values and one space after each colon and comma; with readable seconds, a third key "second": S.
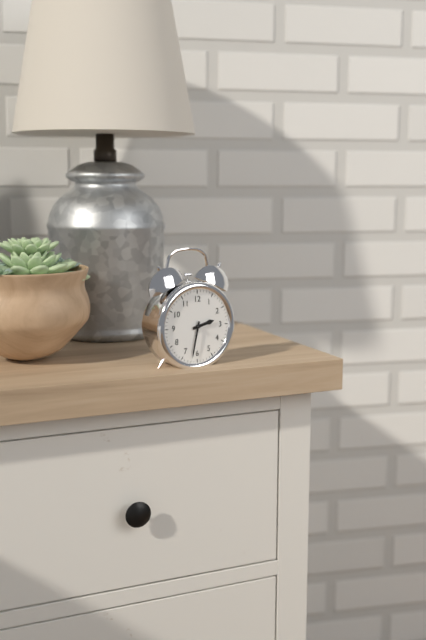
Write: {"hour": 2, "minute": 32}
